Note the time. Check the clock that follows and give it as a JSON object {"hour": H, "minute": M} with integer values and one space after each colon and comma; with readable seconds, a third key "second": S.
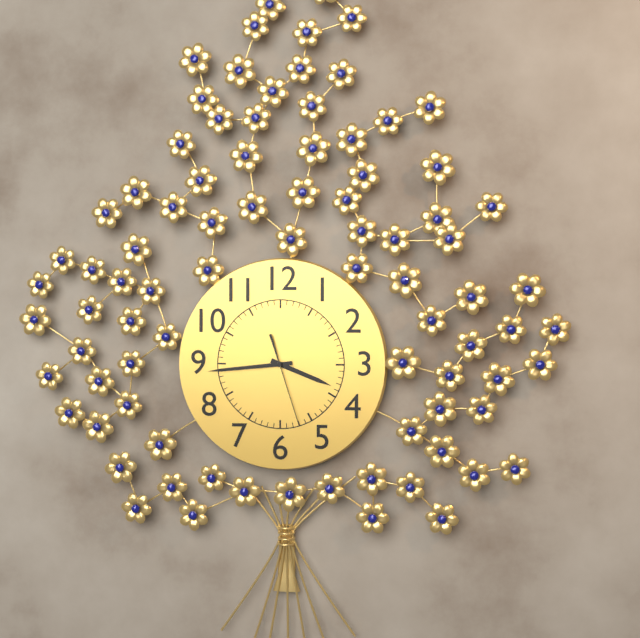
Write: {"hour": 3, "minute": 44, "second": 27}
